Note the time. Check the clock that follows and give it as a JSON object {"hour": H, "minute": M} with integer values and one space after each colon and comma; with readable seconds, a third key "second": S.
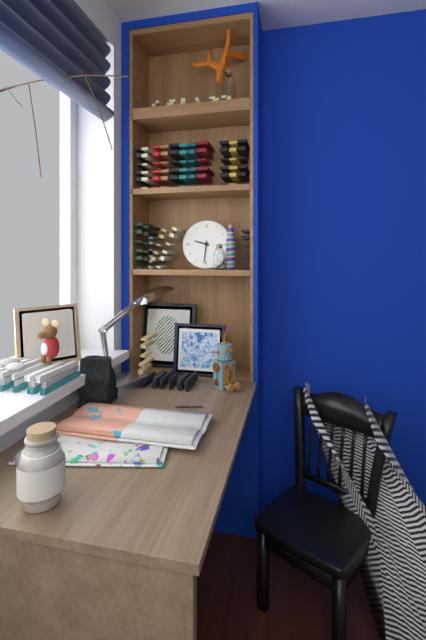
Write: {"hour": 9, "minute": 31}
